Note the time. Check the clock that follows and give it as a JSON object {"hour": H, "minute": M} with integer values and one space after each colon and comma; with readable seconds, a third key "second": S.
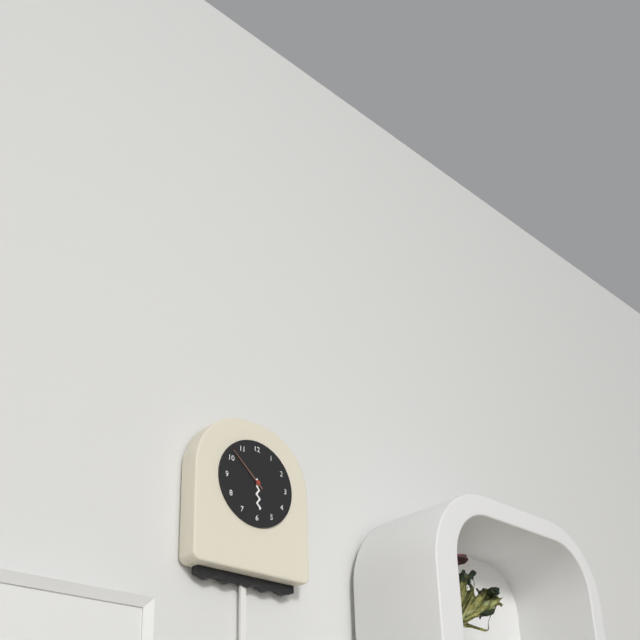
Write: {"hour": 5, "minute": 52}
